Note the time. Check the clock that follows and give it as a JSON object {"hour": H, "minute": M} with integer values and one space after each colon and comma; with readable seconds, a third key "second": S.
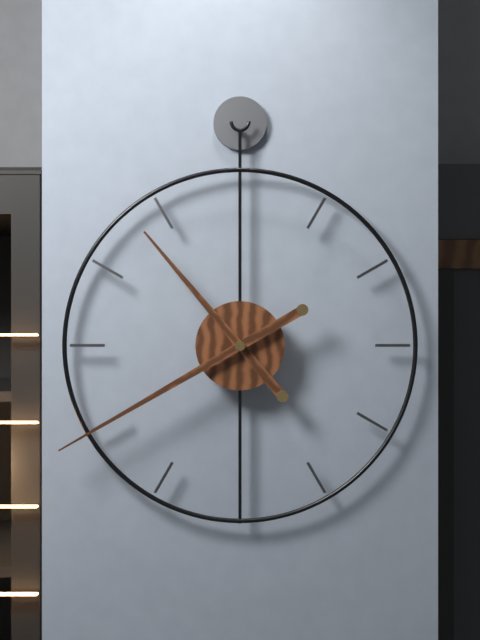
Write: {"hour": 10, "minute": 40}
